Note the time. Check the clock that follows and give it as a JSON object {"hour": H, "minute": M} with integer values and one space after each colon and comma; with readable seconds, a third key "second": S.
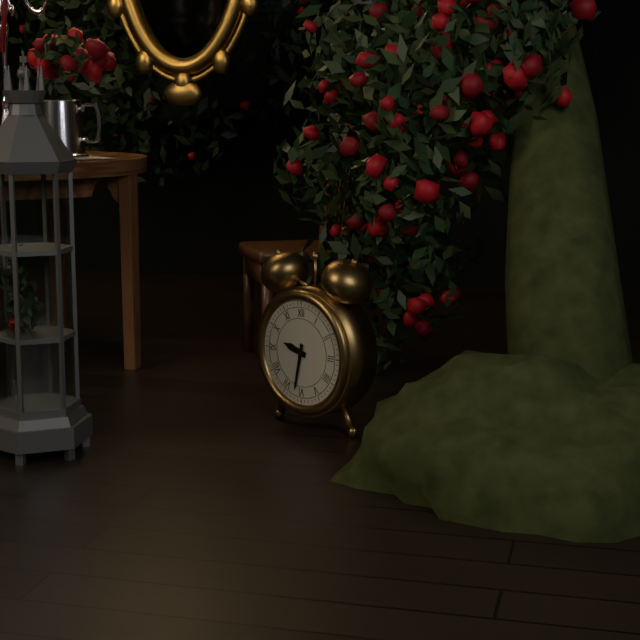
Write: {"hour": 9, "minute": 32}
